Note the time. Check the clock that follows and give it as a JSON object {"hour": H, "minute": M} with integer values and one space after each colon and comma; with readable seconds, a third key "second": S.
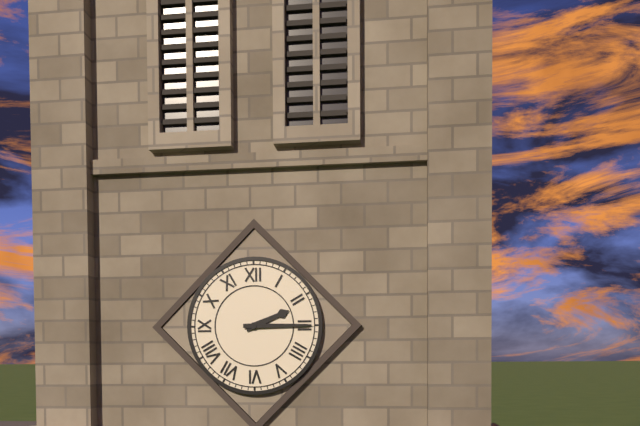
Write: {"hour": 2, "minute": 15}
